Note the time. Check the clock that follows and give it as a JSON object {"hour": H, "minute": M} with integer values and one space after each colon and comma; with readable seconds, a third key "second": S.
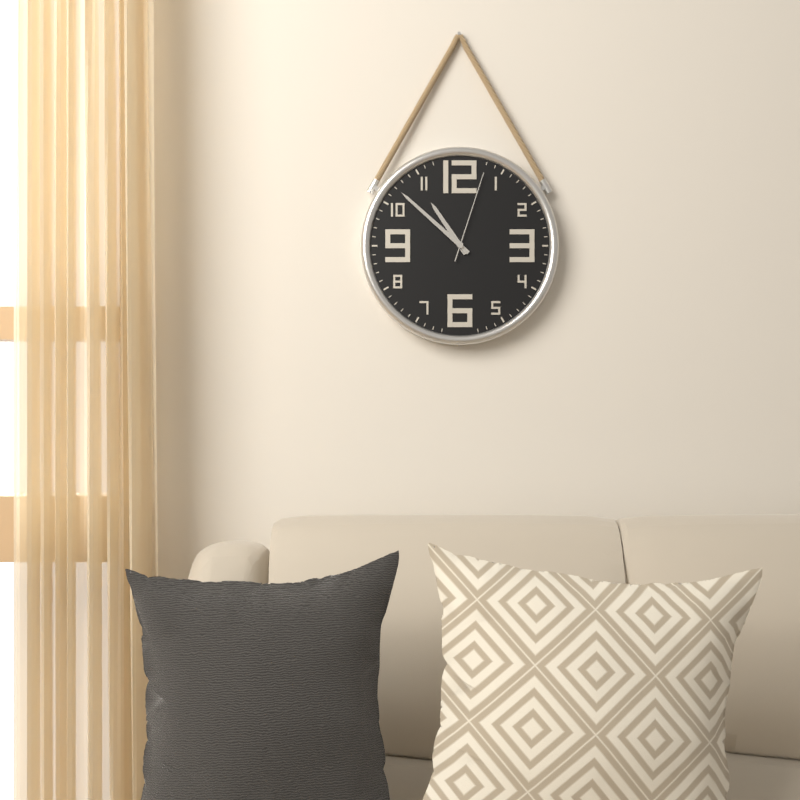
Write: {"hour": 10, "minute": 52, "second": 3}
